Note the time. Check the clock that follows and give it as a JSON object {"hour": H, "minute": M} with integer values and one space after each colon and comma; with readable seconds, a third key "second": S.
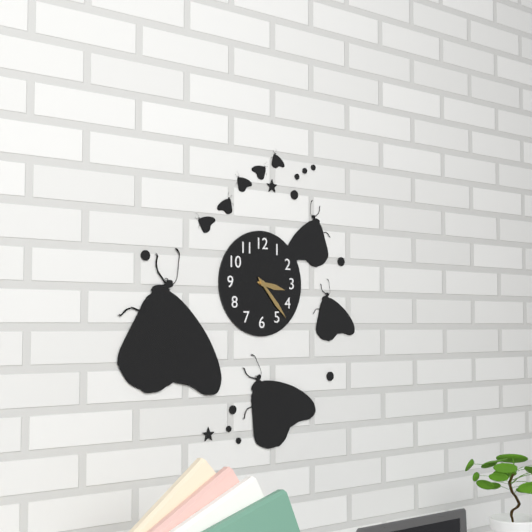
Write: {"hour": 3, "minute": 23}
